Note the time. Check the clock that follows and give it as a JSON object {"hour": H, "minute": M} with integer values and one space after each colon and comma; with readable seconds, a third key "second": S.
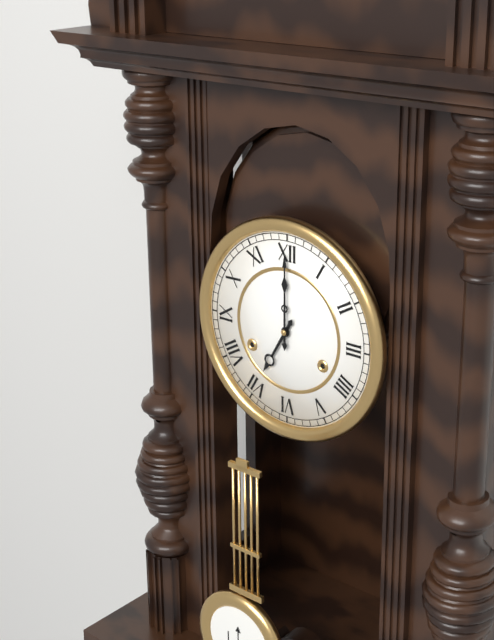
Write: {"hour": 7, "minute": 0}
